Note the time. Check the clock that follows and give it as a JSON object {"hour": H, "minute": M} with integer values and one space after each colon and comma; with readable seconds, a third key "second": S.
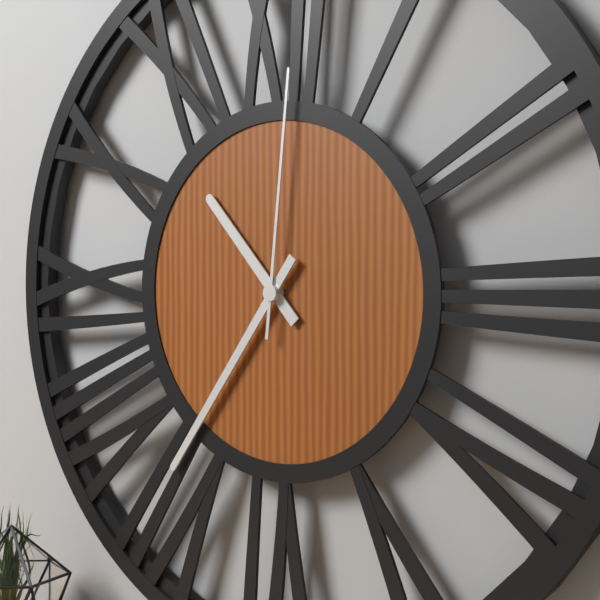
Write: {"hour": 10, "minute": 36, "second": 1}
